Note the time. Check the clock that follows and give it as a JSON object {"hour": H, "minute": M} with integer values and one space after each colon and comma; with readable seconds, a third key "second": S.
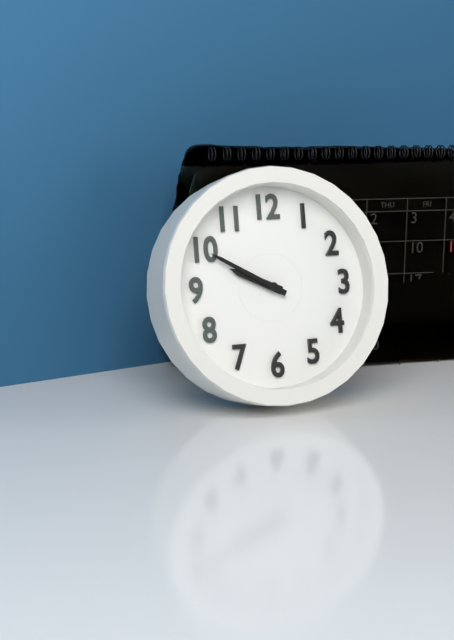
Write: {"hour": 9, "minute": 50}
